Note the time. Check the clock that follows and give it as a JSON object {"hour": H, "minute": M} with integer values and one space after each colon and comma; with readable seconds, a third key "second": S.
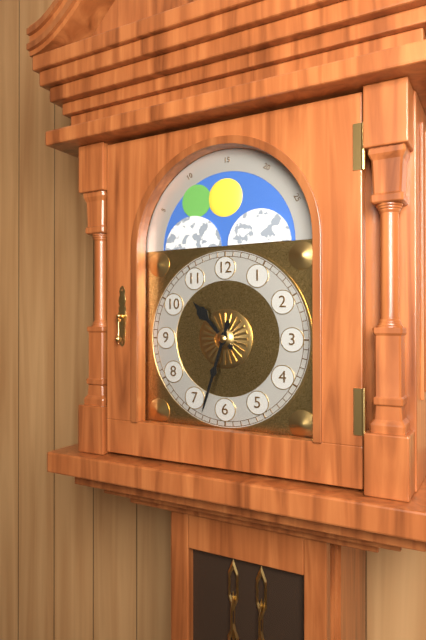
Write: {"hour": 10, "minute": 33}
